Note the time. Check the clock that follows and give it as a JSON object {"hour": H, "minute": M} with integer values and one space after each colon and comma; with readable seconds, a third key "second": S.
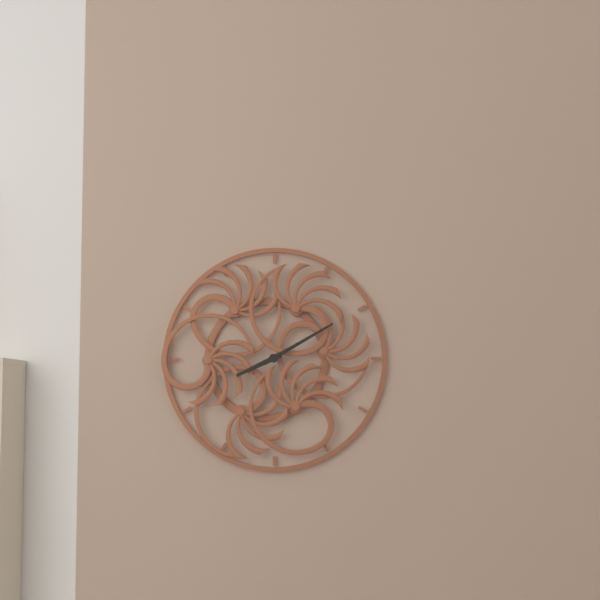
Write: {"hour": 8, "minute": 10}
